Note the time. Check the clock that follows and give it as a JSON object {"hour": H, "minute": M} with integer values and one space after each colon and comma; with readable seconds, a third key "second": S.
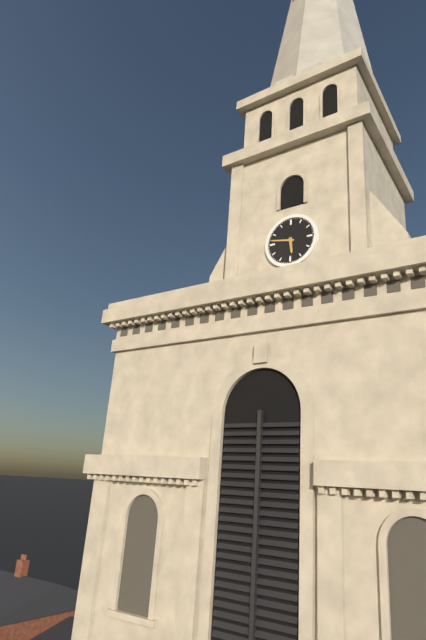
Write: {"hour": 5, "minute": 47}
